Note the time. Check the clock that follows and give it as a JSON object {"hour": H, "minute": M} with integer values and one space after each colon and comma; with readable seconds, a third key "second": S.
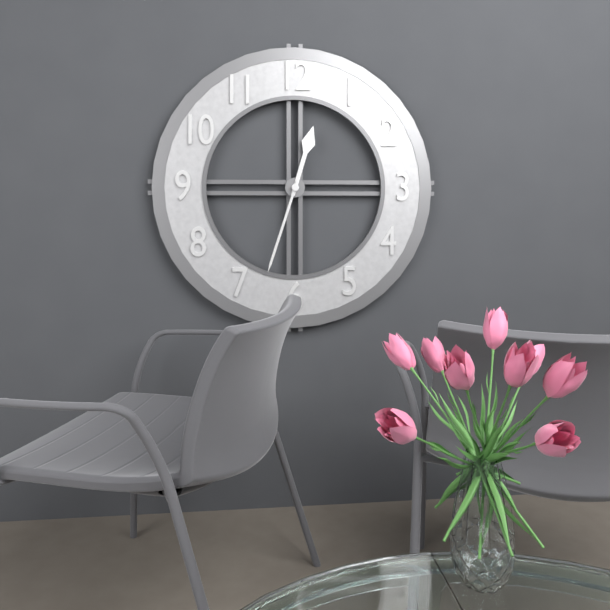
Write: {"hour": 12, "minute": 33}
